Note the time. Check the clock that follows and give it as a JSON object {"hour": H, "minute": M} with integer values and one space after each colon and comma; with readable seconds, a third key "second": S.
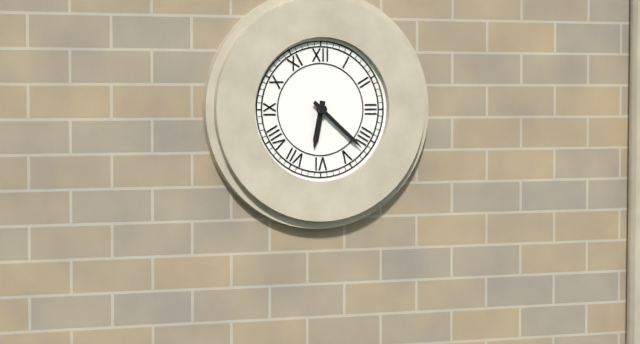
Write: {"hour": 6, "minute": 22}
